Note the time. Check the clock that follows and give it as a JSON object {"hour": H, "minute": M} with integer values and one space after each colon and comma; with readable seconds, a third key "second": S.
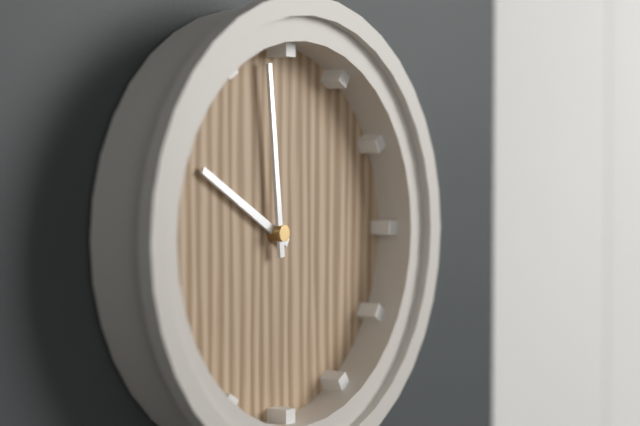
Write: {"hour": 9, "minute": 59}
